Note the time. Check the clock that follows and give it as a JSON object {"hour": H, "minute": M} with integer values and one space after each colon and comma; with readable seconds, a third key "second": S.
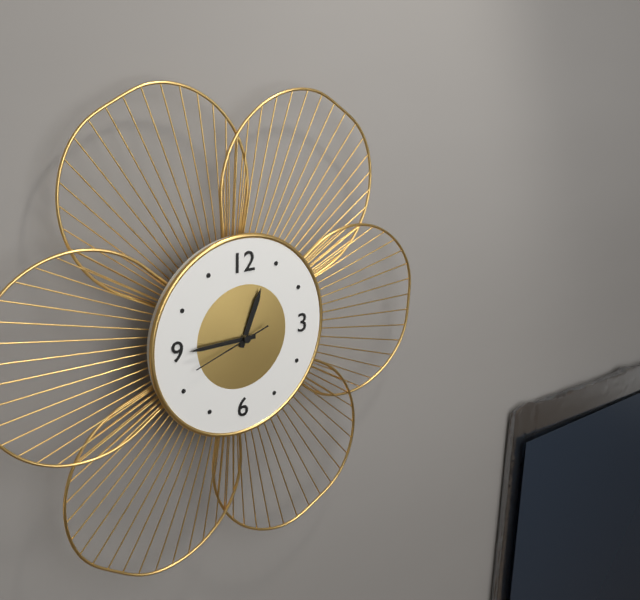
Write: {"hour": 12, "minute": 45, "second": 42}
